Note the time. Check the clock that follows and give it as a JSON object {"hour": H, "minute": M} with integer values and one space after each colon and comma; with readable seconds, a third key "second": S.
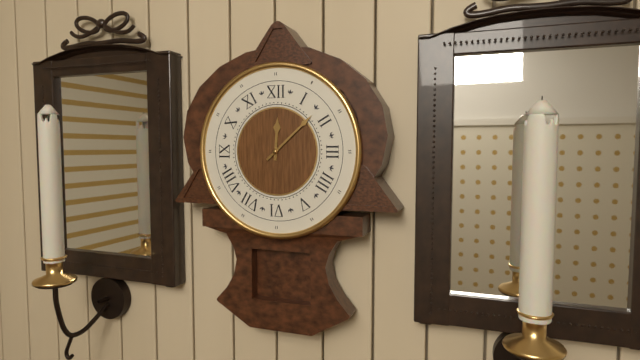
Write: {"hour": 12, "minute": 8}
